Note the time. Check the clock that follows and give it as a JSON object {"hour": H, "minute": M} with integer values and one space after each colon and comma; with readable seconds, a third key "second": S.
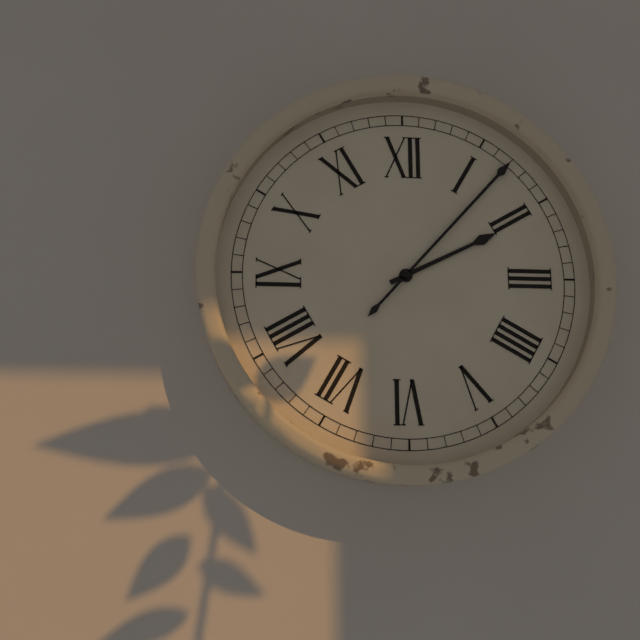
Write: {"hour": 2, "minute": 7}
